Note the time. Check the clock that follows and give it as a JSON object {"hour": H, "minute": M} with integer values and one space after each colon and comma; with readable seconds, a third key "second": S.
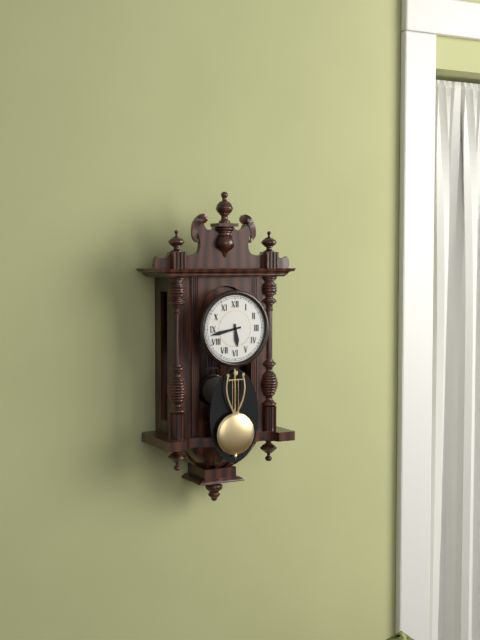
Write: {"hour": 5, "minute": 43}
